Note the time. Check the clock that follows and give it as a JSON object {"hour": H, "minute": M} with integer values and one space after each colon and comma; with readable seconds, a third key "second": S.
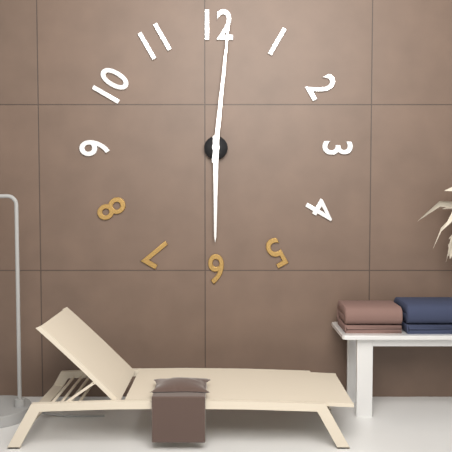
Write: {"hour": 6, "minute": 1}
